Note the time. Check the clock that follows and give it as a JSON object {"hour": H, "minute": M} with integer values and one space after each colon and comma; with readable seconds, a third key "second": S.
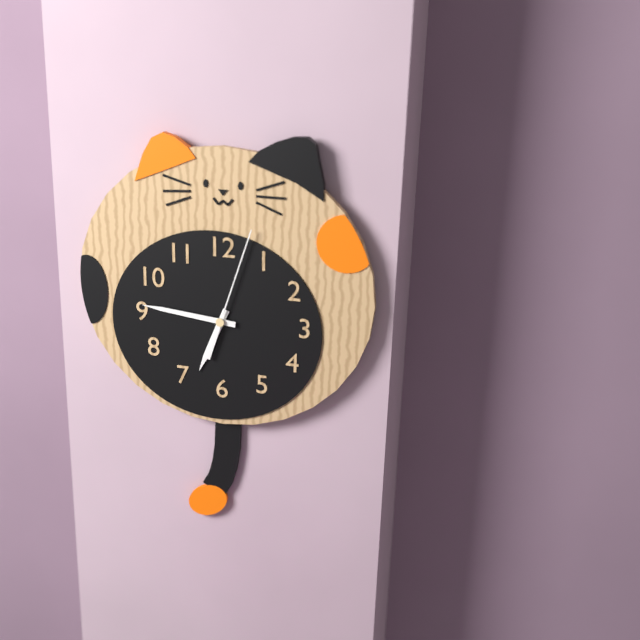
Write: {"hour": 6, "minute": 46, "second": 3}
